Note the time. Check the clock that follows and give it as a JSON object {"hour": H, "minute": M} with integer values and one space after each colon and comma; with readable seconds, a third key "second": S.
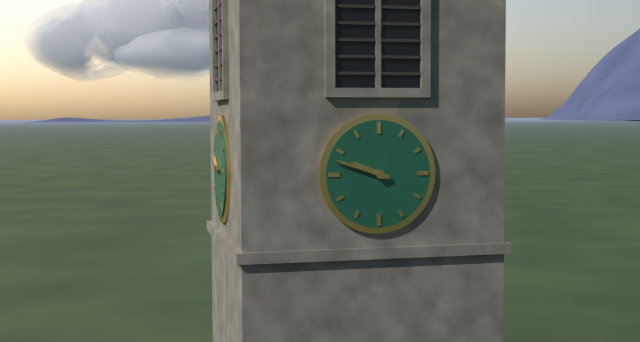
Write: {"hour": 9, "minute": 48}
